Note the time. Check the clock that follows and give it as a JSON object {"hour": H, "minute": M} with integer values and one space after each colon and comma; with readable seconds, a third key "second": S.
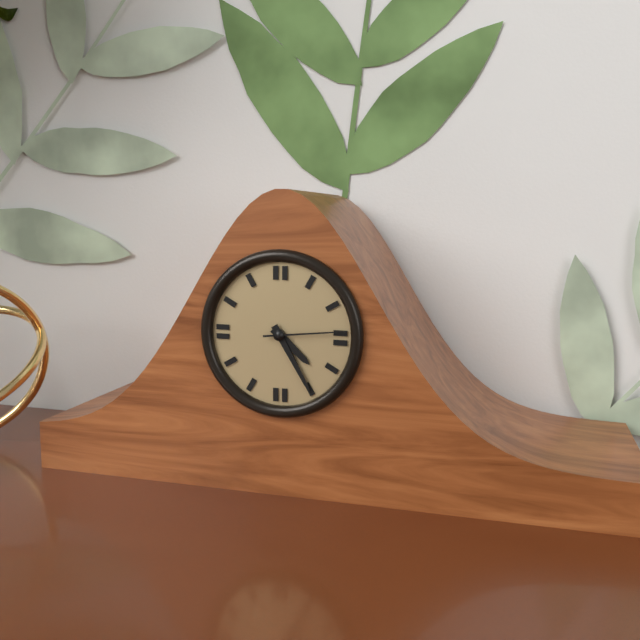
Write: {"hour": 4, "minute": 25, "second": 14}
